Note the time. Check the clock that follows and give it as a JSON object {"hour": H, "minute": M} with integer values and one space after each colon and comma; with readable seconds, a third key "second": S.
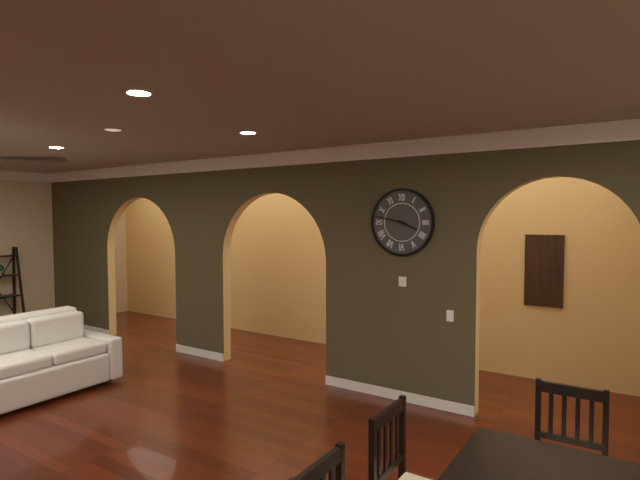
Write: {"hour": 3, "minute": 47}
